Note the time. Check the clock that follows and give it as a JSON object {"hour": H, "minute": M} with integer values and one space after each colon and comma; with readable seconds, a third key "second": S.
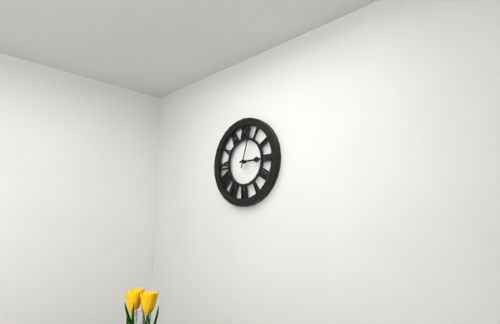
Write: {"hour": 3, "minute": 3}
